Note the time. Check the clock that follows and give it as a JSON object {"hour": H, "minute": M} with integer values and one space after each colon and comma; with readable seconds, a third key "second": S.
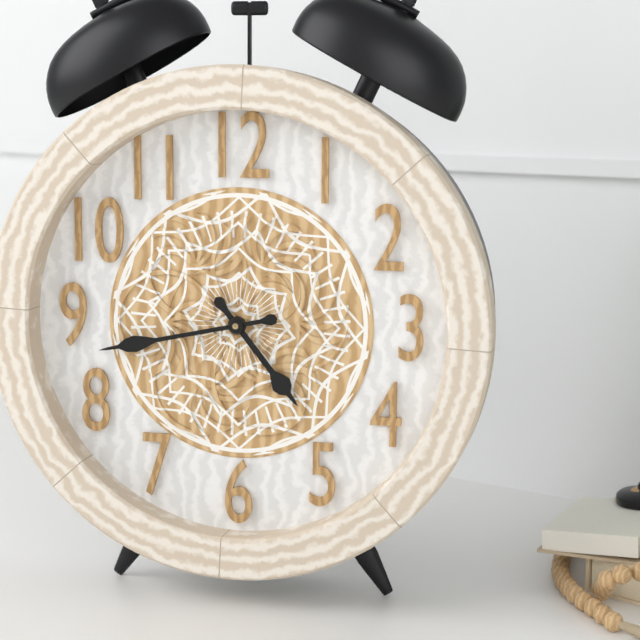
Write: {"hour": 4, "minute": 43}
